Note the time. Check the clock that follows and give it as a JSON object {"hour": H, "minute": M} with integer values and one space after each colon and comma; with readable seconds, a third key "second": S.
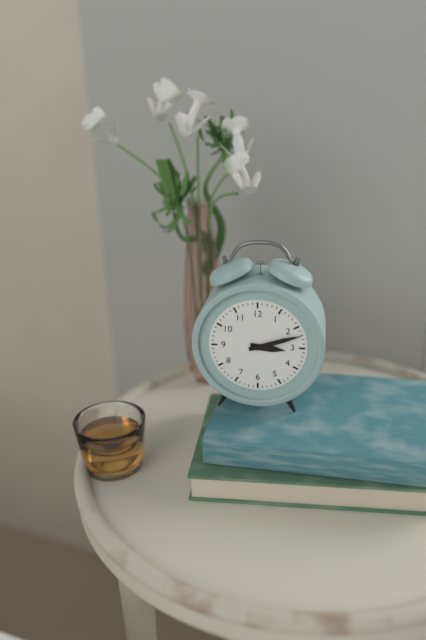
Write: {"hour": 3, "minute": 12}
